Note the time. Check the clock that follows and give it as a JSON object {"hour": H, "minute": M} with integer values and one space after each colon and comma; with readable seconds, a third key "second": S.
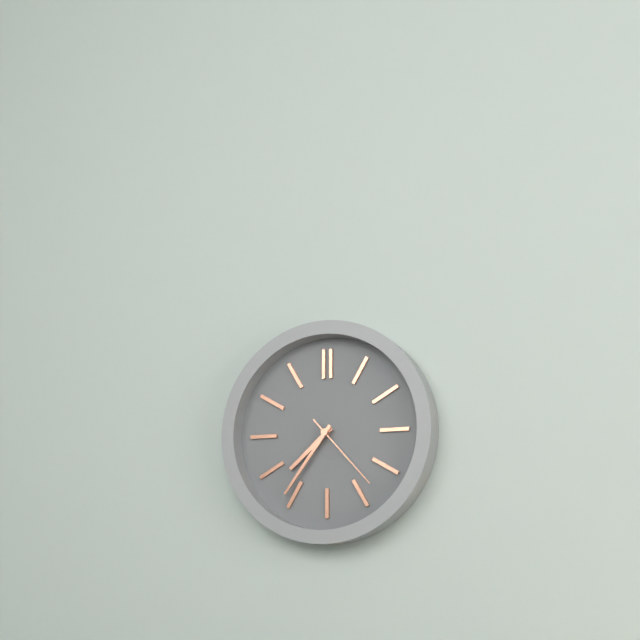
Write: {"hour": 7, "minute": 36, "second": 23}
